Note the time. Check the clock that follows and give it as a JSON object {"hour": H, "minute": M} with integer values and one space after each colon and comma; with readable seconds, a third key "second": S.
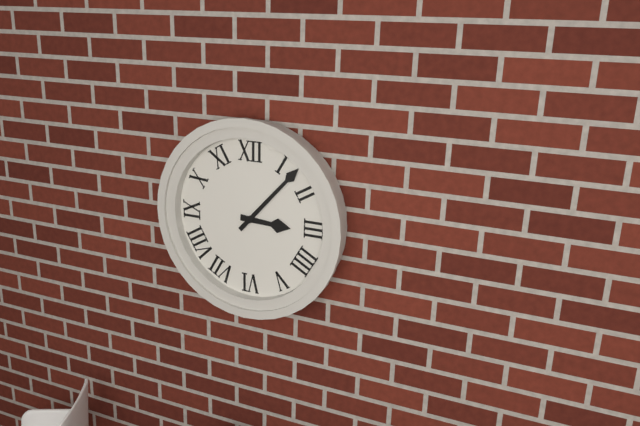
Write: {"hour": 3, "minute": 7}
